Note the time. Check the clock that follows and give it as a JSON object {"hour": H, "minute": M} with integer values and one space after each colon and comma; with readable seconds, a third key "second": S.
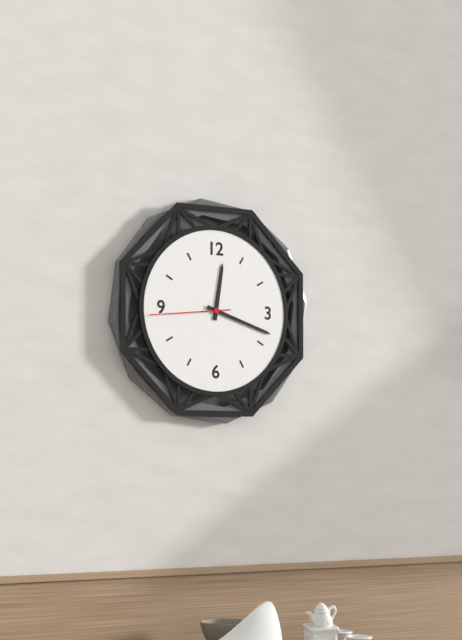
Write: {"hour": 12, "minute": 18, "second": 44}
